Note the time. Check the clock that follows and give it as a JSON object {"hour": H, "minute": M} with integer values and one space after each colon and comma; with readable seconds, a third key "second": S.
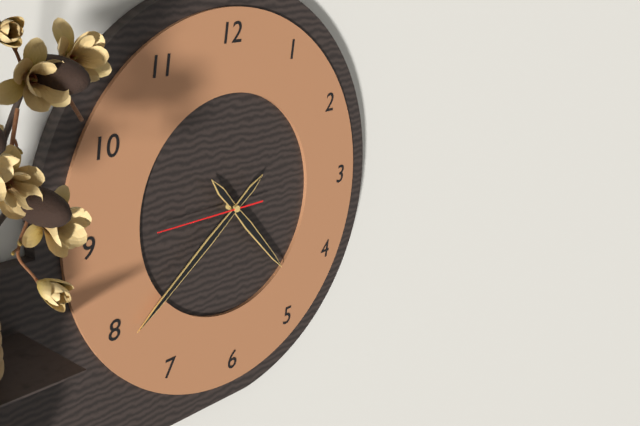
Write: {"hour": 4, "minute": 39, "second": 45}
